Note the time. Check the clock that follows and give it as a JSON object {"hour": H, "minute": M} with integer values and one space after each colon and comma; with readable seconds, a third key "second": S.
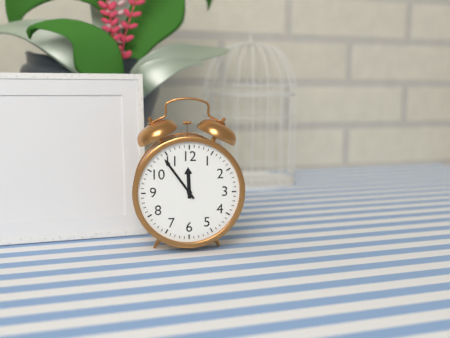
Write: {"hour": 11, "minute": 54}
